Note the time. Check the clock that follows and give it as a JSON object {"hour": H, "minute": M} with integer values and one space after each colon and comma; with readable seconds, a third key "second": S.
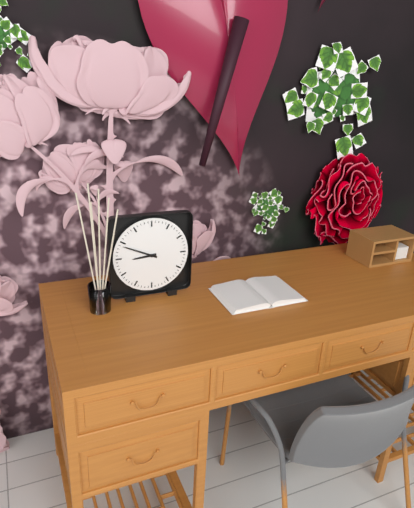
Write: {"hour": 8, "minute": 49}
